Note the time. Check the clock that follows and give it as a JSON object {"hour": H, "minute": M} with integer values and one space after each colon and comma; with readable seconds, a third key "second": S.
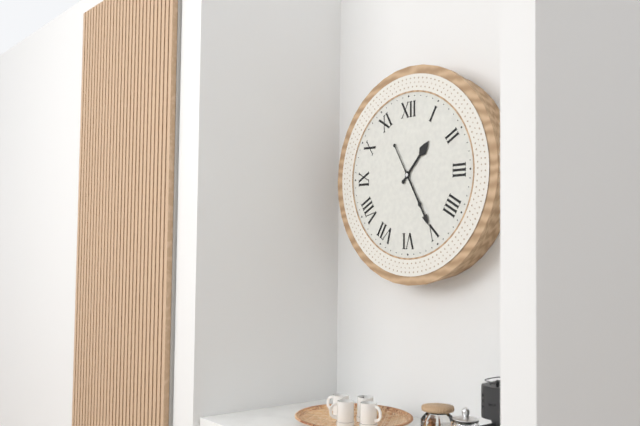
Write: {"hour": 1, "minute": 25}
